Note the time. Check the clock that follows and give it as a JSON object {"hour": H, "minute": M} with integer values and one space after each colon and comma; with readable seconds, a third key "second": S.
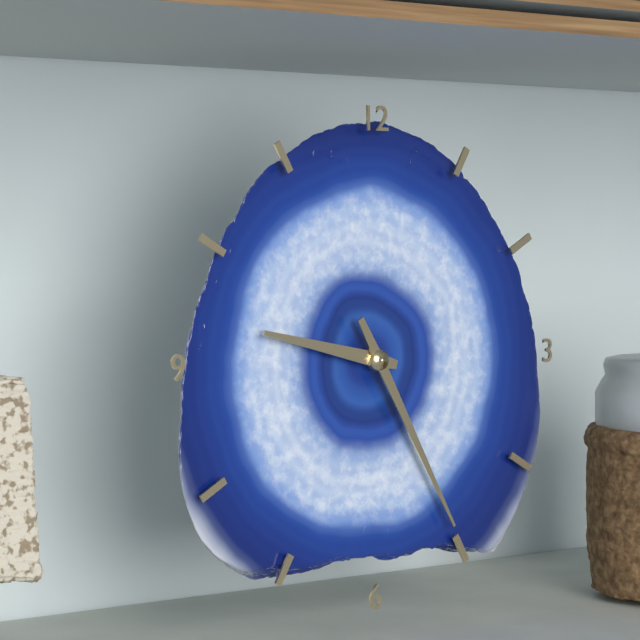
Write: {"hour": 9, "minute": 25}
